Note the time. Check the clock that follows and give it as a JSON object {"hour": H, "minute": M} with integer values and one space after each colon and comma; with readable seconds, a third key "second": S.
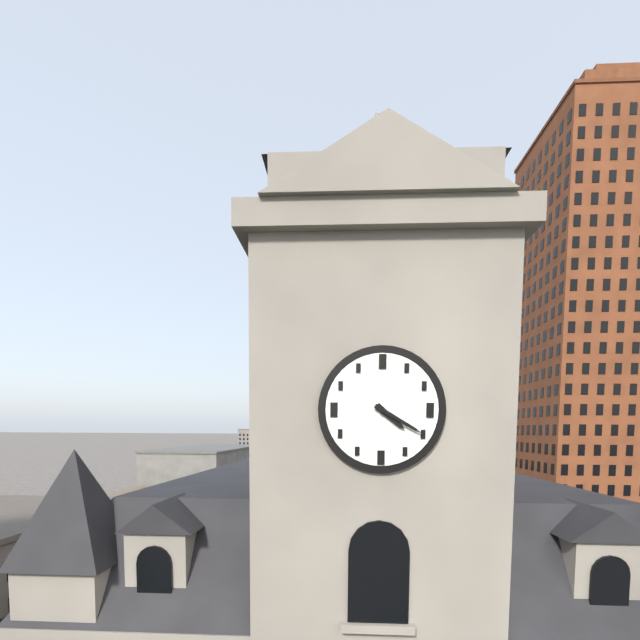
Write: {"hour": 4, "minute": 20}
